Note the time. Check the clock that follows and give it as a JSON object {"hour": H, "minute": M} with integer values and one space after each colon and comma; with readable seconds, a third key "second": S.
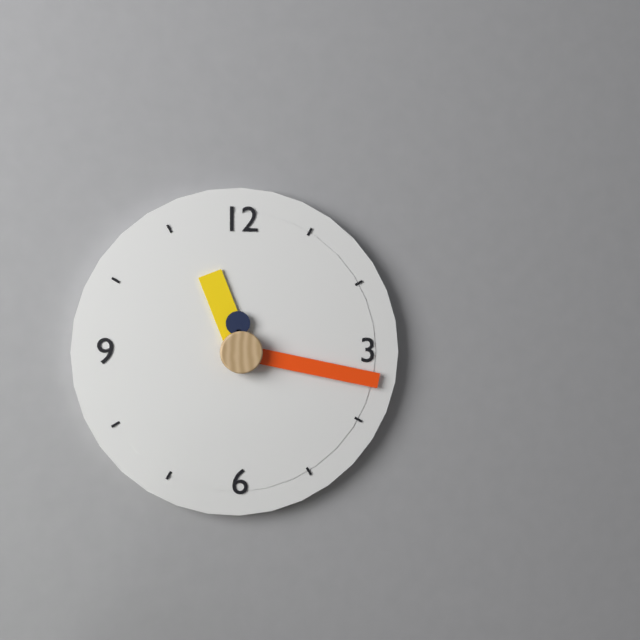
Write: {"hour": 11, "minute": 17, "second": 59}
